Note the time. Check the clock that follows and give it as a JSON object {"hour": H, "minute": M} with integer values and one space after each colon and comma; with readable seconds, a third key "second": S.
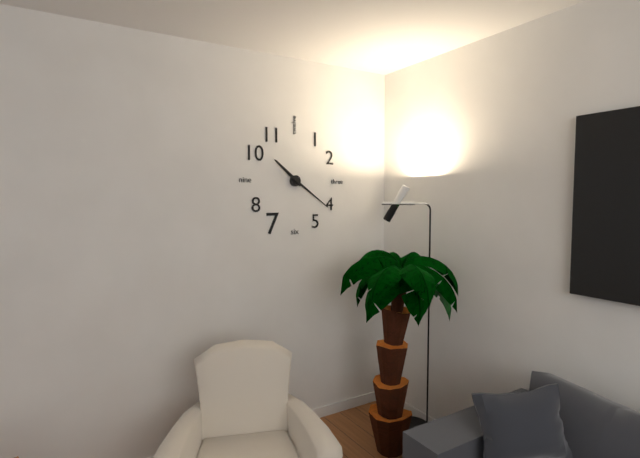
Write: {"hour": 10, "minute": 21}
